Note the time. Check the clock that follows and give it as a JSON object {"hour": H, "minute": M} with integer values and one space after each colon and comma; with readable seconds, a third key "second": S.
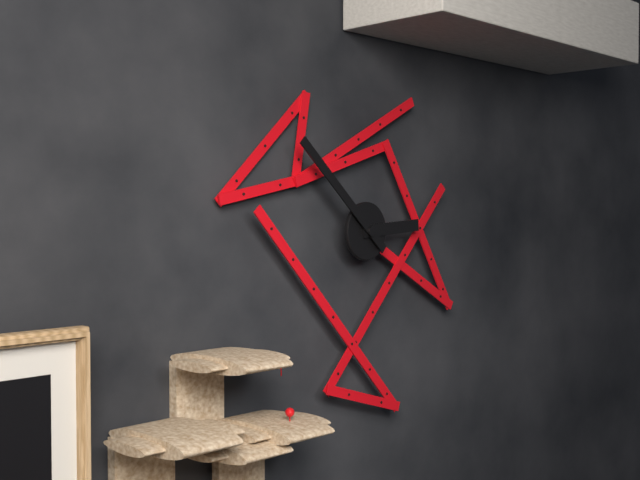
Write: {"hour": 2, "minute": 52}
